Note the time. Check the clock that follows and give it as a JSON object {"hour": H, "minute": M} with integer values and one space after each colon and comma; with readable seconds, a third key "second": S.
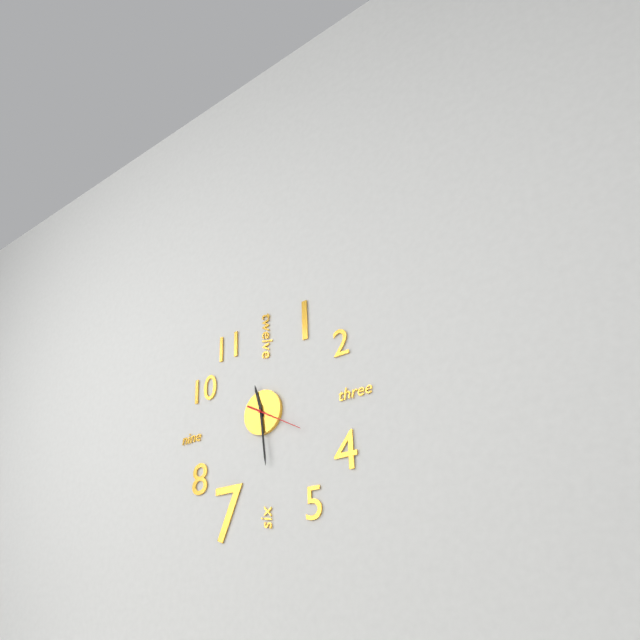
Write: {"hour": 11, "minute": 29, "second": 20}
